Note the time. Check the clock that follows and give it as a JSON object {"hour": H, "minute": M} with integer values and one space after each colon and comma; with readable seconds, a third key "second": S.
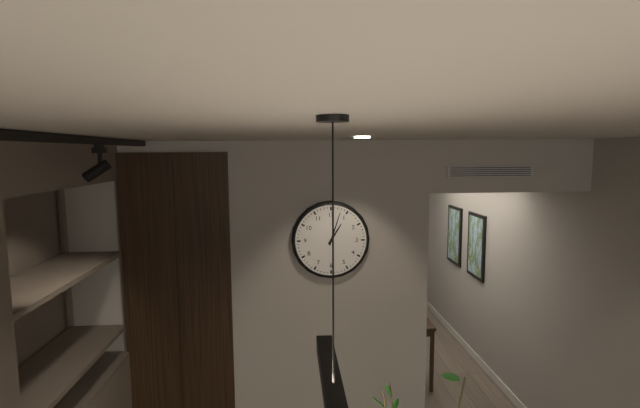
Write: {"hour": 1, "minute": 3}
